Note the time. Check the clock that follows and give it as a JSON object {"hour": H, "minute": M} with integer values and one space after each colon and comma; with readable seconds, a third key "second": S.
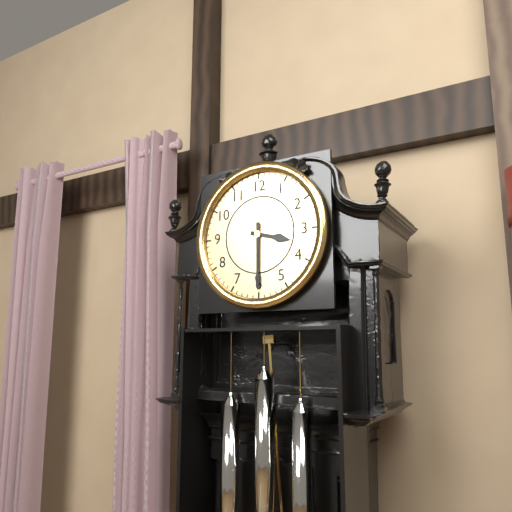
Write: {"hour": 3, "minute": 30}
